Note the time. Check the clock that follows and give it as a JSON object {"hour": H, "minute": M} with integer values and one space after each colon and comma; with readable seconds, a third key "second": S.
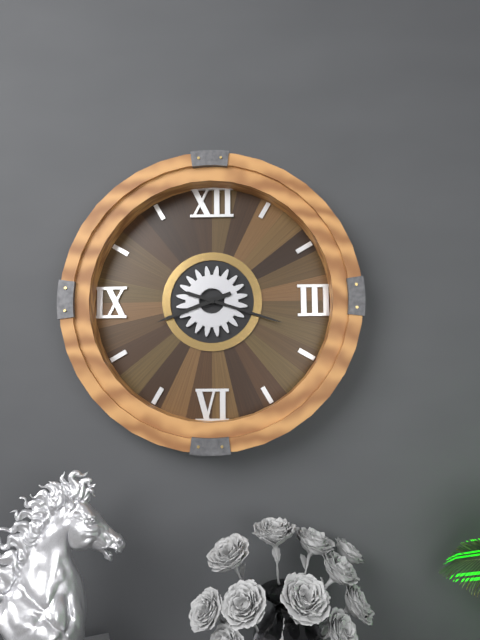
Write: {"hour": 8, "minute": 18}
